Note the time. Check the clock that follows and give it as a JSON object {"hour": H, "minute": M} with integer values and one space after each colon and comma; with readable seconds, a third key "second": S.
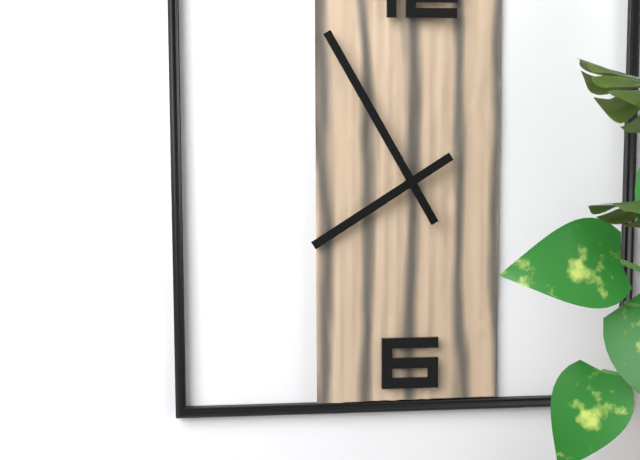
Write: {"hour": 7, "minute": 55}
